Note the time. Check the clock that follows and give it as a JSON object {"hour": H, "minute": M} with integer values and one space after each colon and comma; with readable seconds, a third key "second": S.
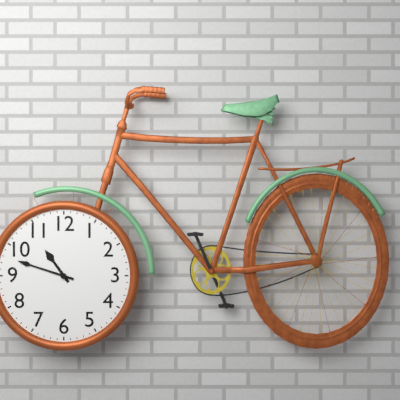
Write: {"hour": 10, "minute": 48}
